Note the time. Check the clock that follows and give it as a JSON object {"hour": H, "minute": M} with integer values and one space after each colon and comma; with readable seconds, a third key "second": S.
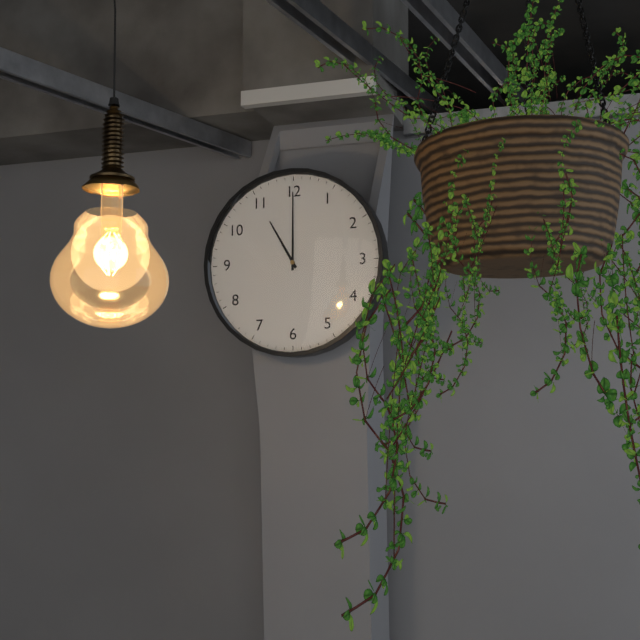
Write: {"hour": 11, "minute": 0}
